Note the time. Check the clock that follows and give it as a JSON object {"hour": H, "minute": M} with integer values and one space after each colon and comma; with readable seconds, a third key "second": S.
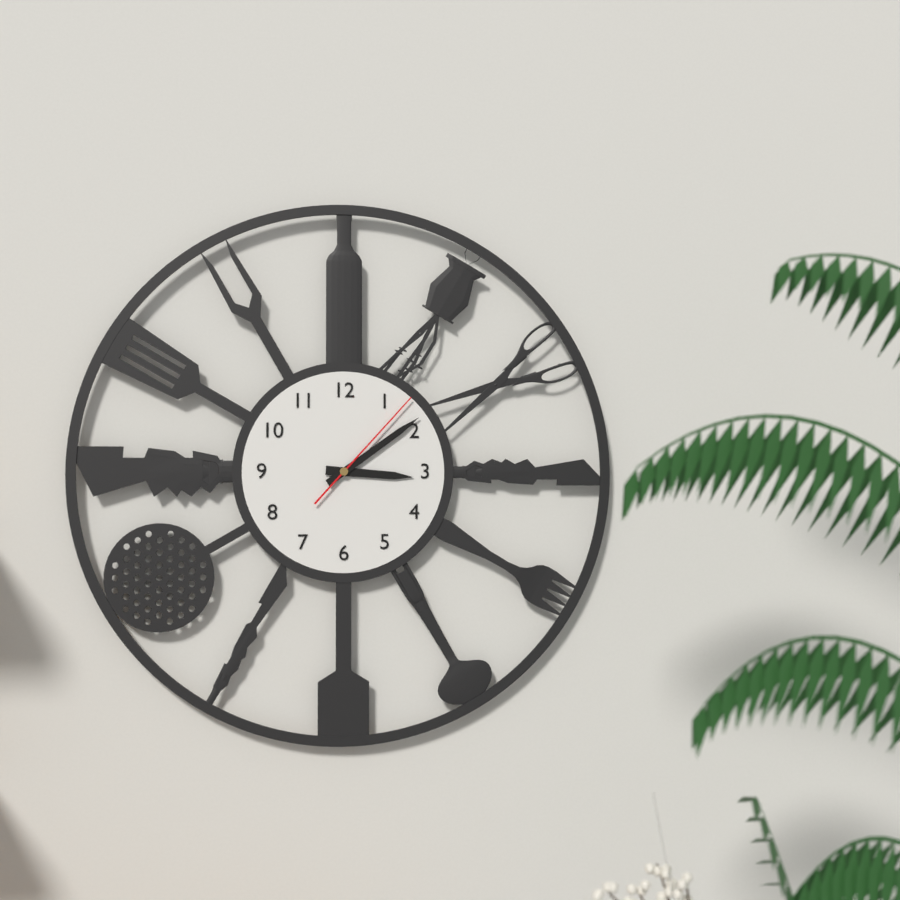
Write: {"hour": 3, "minute": 9, "second": 7}
